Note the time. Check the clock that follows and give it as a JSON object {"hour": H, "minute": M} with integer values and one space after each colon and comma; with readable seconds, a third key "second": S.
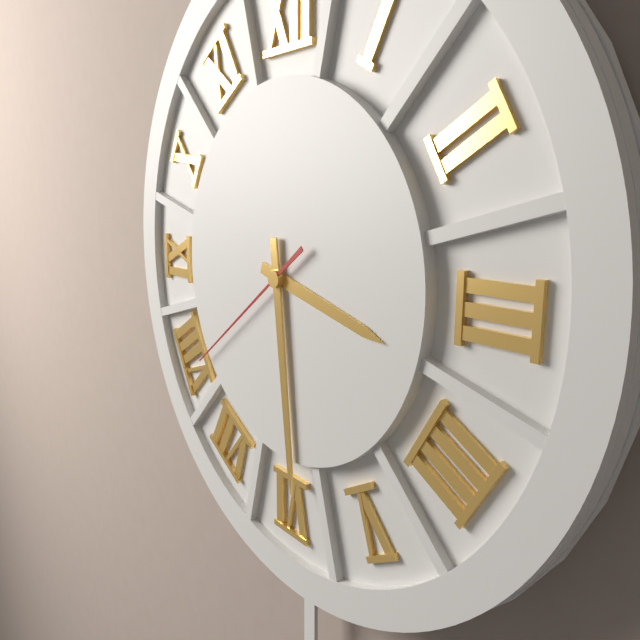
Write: {"hour": 3, "minute": 29, "second": 39}
